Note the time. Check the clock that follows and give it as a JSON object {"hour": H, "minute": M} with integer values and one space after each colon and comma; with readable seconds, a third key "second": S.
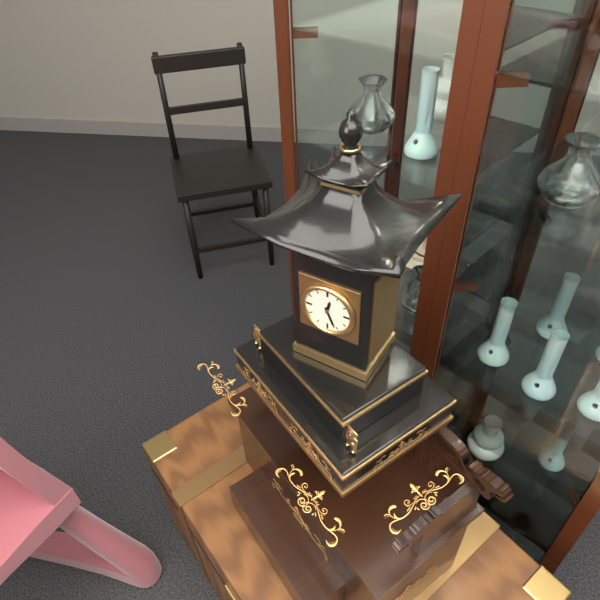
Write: {"hour": 12, "minute": 26}
